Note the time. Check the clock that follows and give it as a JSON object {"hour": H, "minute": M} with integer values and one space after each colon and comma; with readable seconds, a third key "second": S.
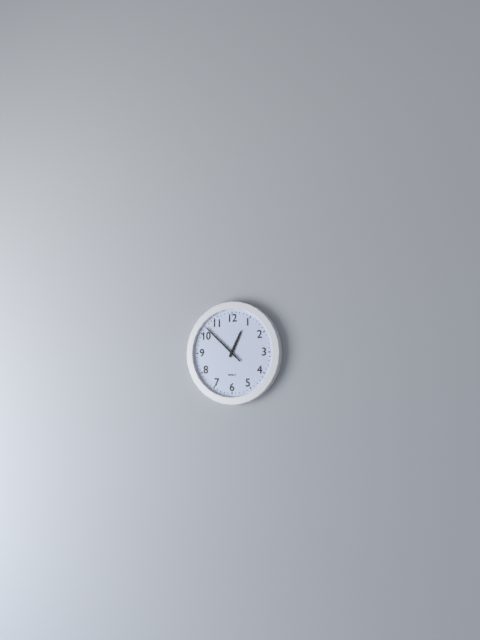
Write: {"hour": 12, "minute": 52}
